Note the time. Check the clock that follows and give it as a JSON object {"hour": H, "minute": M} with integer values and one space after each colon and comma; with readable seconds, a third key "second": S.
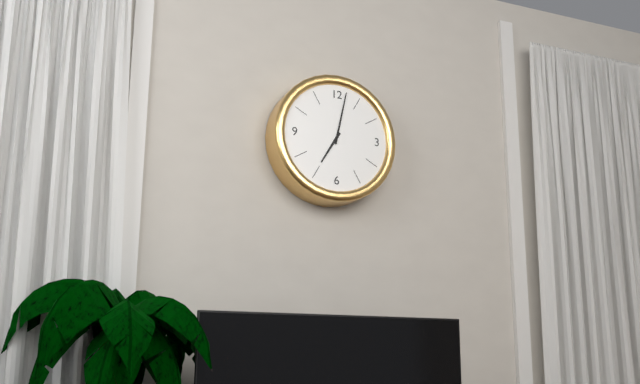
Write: {"hour": 7, "minute": 2}
